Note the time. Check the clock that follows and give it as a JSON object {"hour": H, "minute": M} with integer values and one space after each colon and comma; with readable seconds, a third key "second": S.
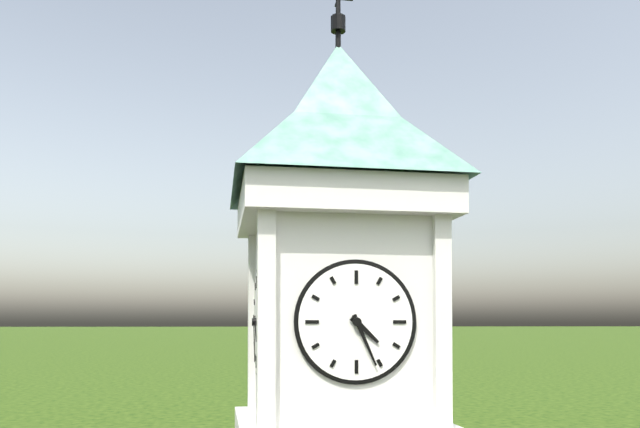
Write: {"hour": 4, "minute": 26}
